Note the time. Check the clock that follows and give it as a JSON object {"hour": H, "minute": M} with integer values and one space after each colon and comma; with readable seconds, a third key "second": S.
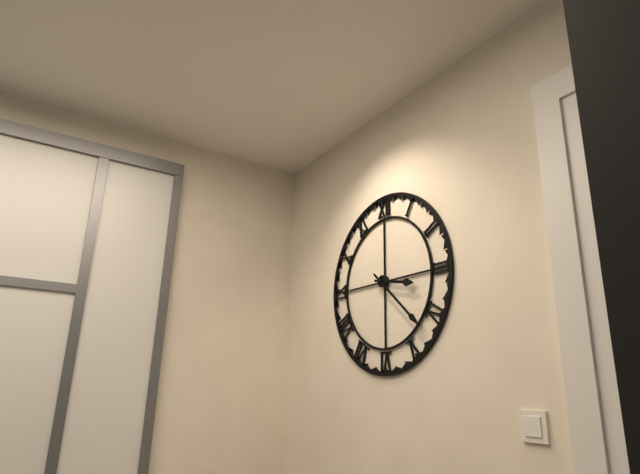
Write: {"hour": 3, "minute": 22}
